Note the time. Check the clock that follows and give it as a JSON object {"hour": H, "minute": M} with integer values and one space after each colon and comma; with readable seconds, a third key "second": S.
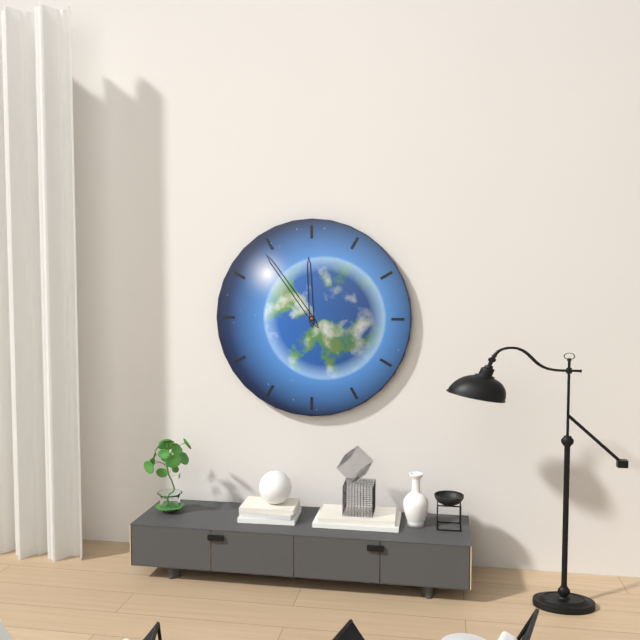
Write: {"hour": 11, "minute": 54}
